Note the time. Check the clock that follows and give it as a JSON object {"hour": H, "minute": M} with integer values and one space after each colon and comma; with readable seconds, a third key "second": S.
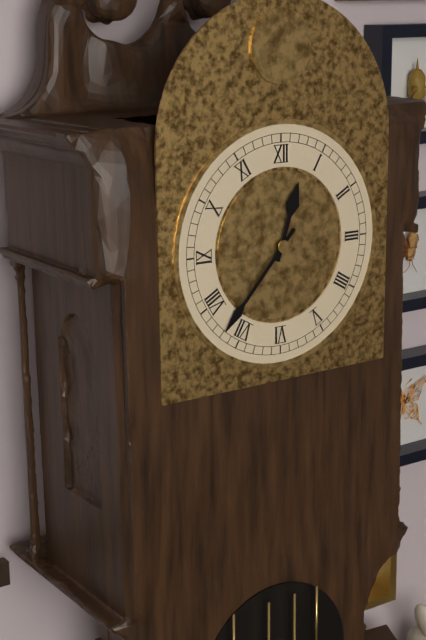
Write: {"hour": 12, "minute": 37}
